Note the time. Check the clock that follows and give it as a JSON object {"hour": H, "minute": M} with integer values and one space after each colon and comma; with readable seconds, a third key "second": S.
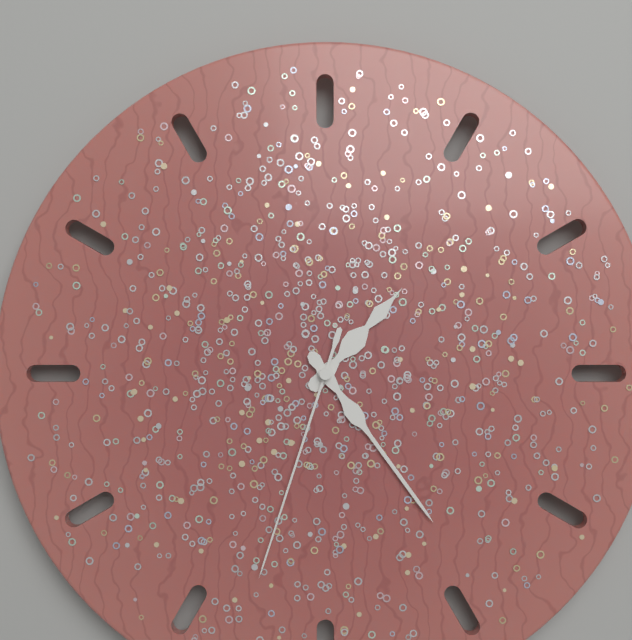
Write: {"hour": 1, "minute": 24, "second": 33}
